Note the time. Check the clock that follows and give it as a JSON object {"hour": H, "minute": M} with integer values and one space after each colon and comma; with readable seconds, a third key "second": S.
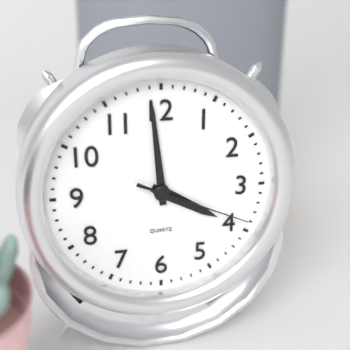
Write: {"hour": 3, "minute": 59, "second": 19}
